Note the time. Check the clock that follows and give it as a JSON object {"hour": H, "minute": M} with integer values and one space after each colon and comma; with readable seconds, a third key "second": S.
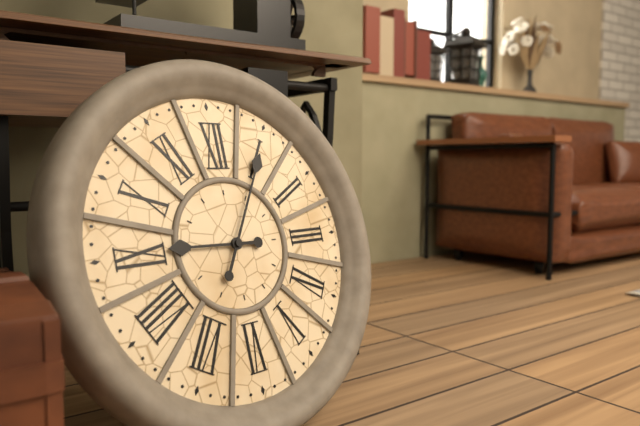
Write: {"hour": 9, "minute": 5}
